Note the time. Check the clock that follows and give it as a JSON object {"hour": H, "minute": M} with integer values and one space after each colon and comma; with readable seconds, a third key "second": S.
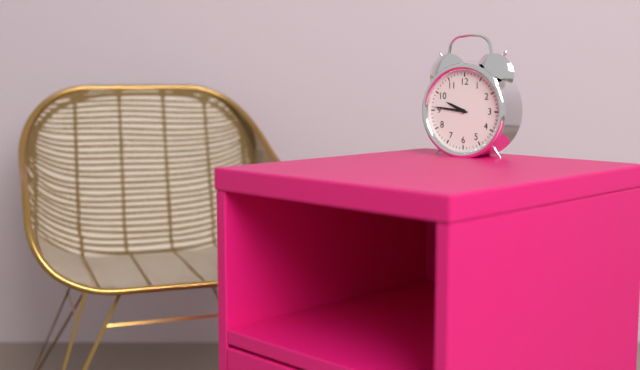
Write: {"hour": 9, "minute": 46}
